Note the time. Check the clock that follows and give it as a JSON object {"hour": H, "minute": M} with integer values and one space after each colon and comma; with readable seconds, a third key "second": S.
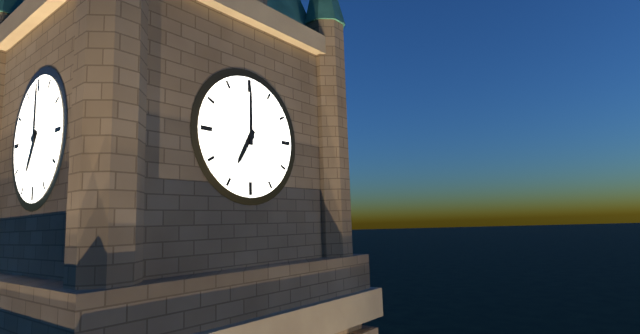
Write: {"hour": 7, "minute": 0}
